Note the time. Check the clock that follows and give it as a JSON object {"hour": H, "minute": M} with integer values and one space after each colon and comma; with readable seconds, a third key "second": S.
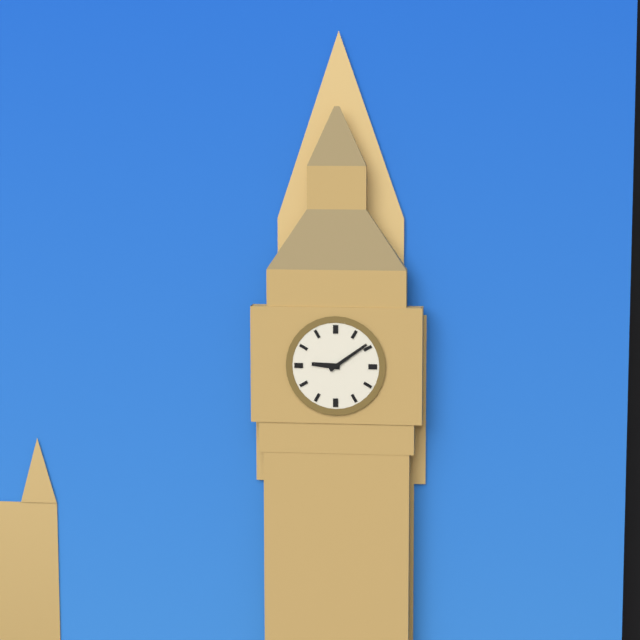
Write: {"hour": 9, "minute": 9}
